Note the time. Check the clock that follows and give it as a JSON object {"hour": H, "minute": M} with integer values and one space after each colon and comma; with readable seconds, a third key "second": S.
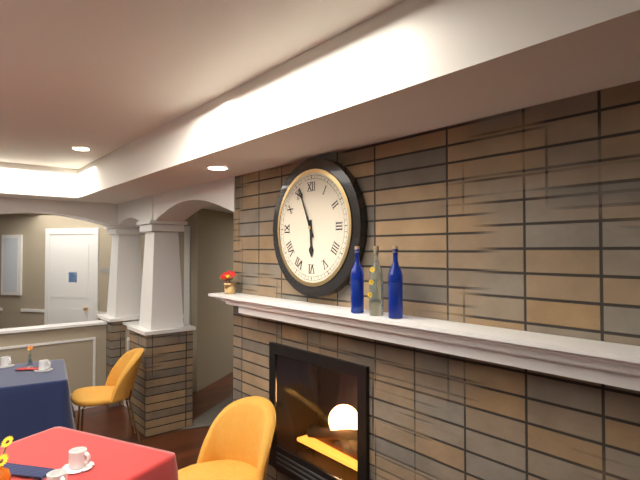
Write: {"hour": 5, "minute": 56}
